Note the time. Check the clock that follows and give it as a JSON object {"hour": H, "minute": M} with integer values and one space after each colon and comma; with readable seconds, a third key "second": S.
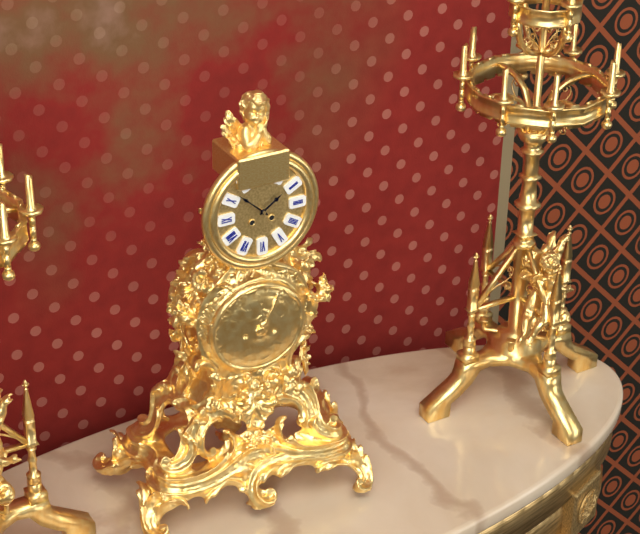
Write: {"hour": 1, "minute": 52}
